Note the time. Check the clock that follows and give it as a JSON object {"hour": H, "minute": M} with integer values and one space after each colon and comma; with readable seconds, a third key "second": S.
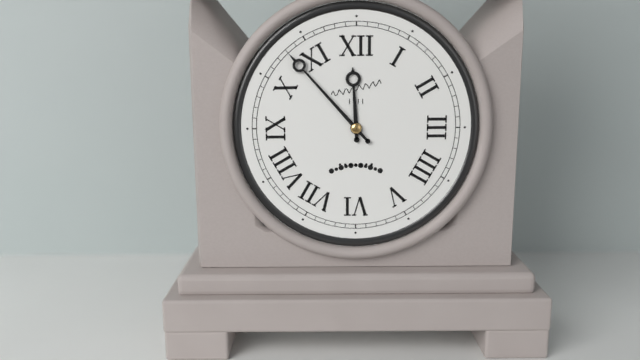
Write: {"hour": 11, "minute": 53}
